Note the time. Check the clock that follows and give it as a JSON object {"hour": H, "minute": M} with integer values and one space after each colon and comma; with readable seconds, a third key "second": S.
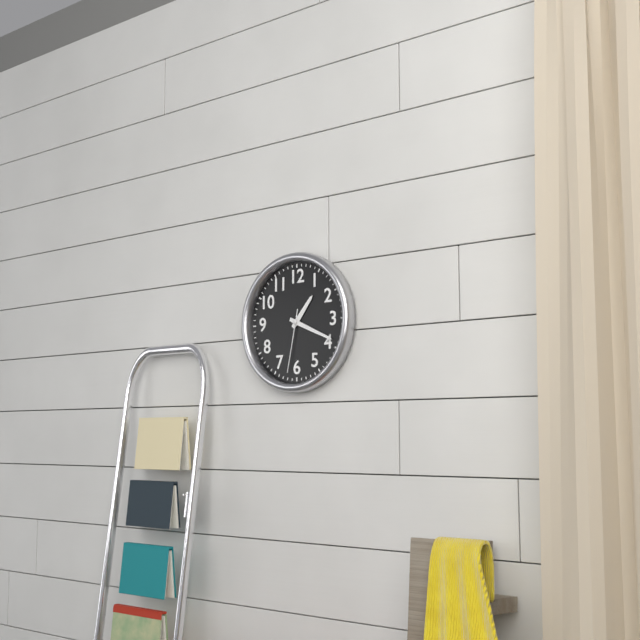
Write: {"hour": 1, "minute": 19, "second": 32}
